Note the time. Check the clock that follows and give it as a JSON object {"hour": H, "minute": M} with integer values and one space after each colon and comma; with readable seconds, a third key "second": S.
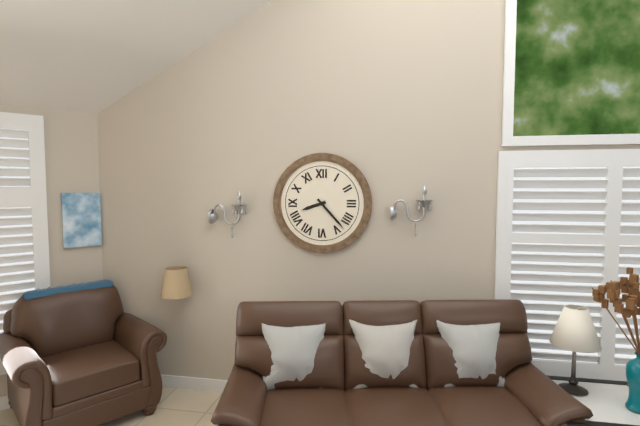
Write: {"hour": 8, "minute": 23}
